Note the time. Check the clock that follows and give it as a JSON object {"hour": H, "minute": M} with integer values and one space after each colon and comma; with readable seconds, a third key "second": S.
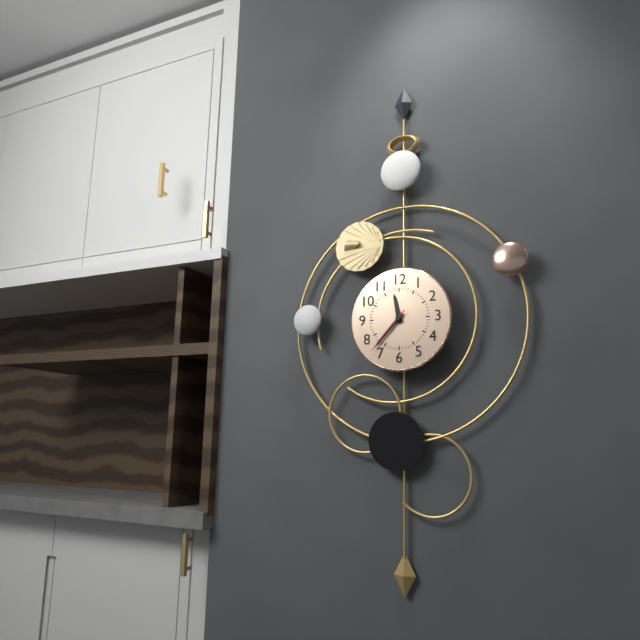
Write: {"hour": 11, "minute": 37, "second": 37}
